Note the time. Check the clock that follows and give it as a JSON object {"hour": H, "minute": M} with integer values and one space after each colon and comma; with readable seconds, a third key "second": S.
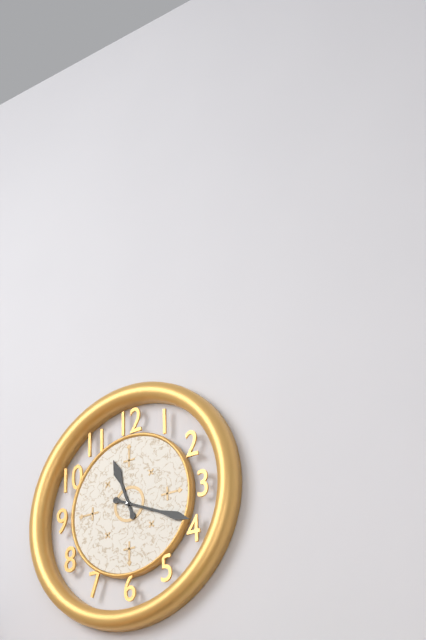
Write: {"hour": 11, "minute": 19}
